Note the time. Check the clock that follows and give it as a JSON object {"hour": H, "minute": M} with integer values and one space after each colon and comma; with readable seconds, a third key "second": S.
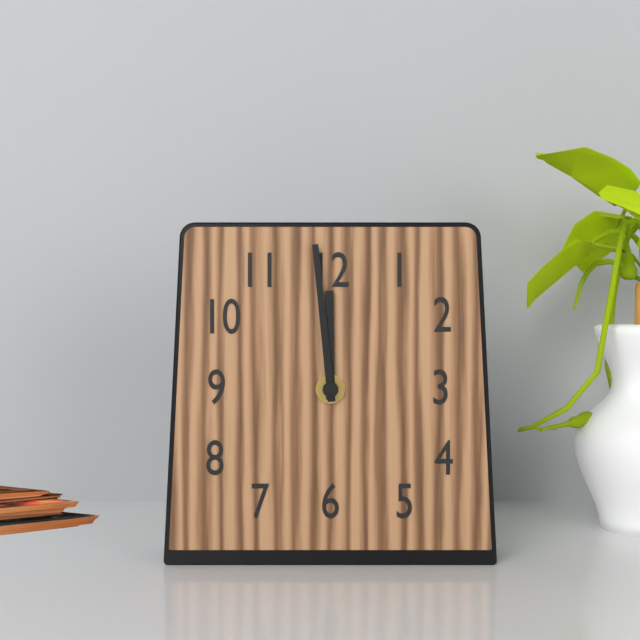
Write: {"hour": 11, "minute": 59}
